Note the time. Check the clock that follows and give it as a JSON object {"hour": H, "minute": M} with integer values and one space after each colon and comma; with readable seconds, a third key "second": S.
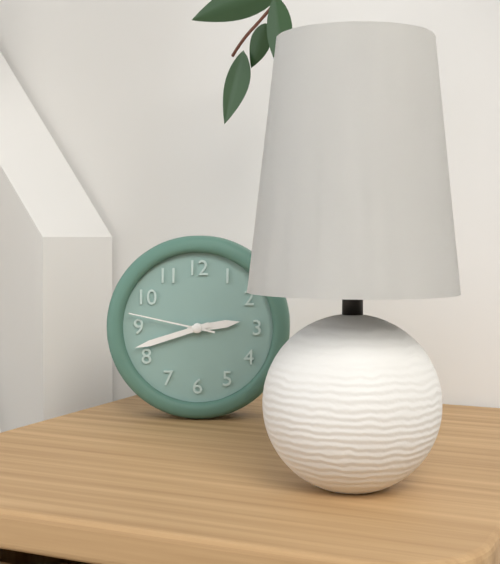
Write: {"hour": 2, "minute": 42, "second": 47}
